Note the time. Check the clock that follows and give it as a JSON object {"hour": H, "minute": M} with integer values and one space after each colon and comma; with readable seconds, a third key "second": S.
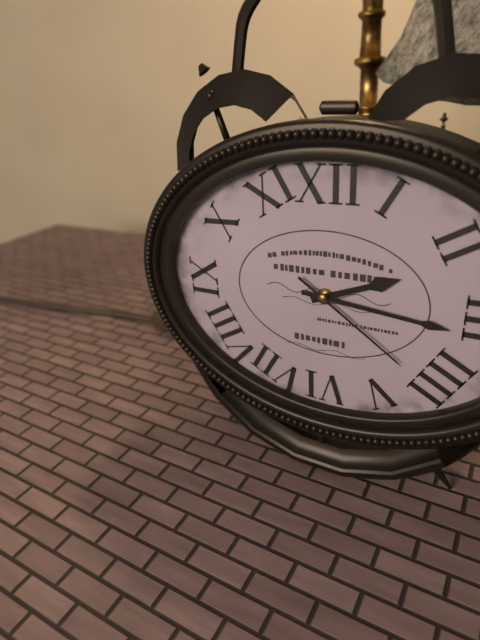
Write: {"hour": 2, "minute": 16, "second": 21}
